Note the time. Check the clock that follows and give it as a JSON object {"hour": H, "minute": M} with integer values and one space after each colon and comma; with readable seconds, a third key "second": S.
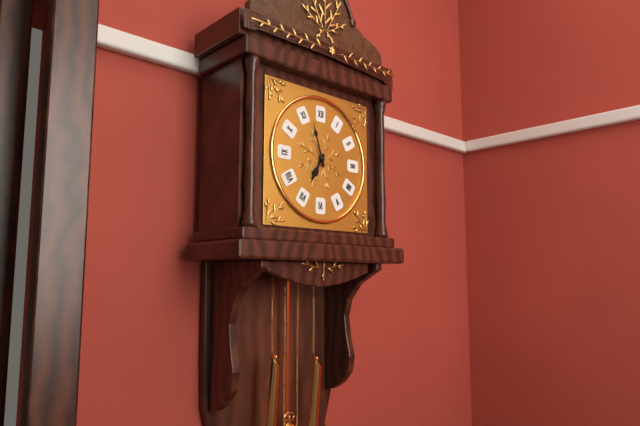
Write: {"hour": 6, "minute": 57}
